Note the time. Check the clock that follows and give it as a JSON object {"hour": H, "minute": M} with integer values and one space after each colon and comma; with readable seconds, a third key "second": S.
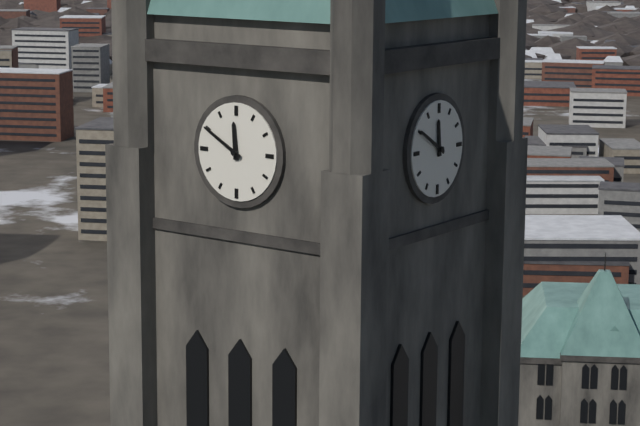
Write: {"hour": 11, "minute": 50}
